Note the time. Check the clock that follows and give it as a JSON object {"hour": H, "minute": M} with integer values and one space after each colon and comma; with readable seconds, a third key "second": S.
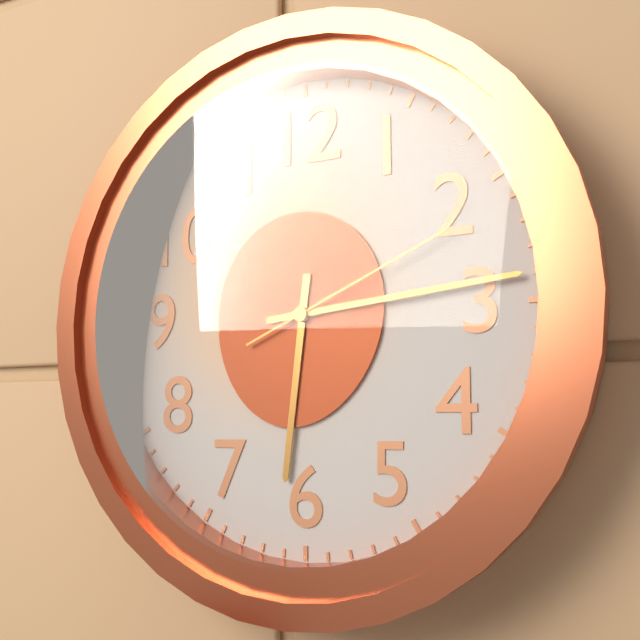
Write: {"hour": 6, "minute": 14, "second": 11}
